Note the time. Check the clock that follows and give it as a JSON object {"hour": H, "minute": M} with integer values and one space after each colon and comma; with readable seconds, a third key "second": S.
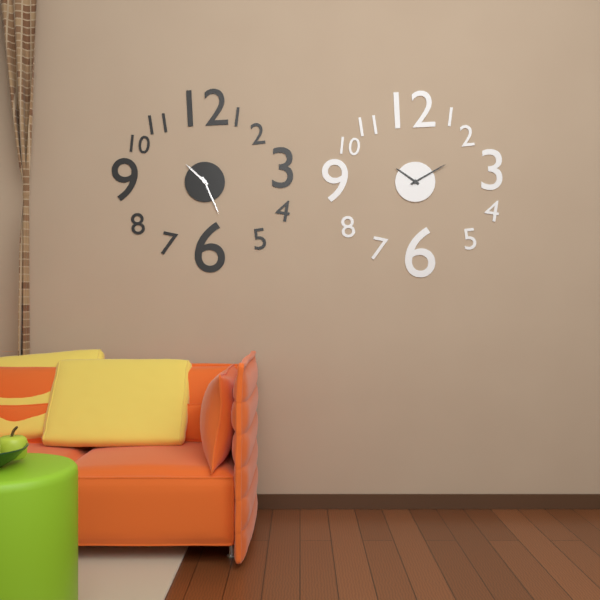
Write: {"hour": 10, "minute": 26}
